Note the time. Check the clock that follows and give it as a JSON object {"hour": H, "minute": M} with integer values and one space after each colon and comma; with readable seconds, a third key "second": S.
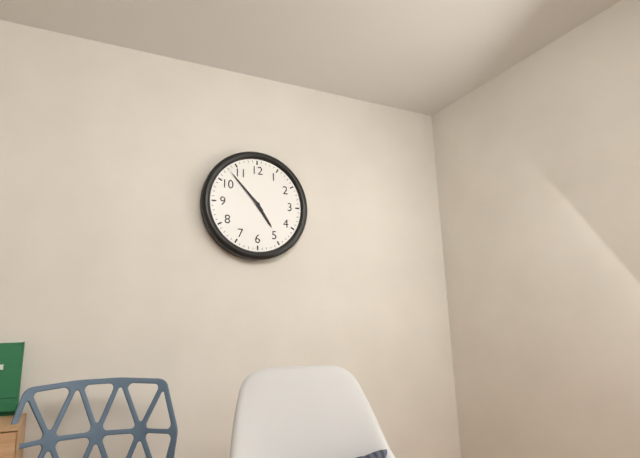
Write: {"hour": 4, "minute": 53}
